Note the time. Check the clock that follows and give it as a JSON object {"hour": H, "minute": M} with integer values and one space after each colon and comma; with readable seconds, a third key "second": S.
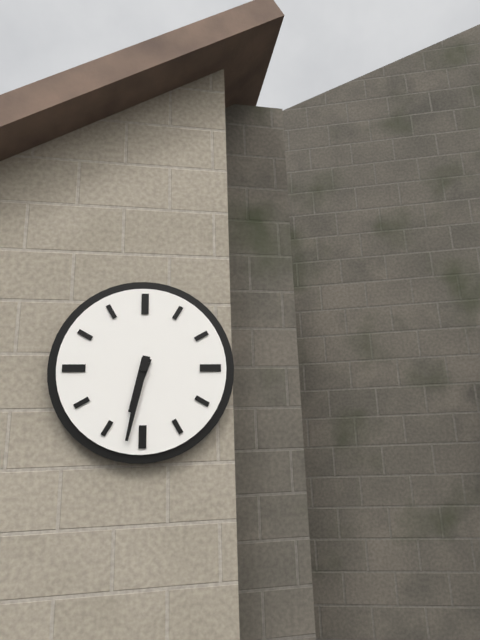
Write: {"hour": 6, "minute": 32}
